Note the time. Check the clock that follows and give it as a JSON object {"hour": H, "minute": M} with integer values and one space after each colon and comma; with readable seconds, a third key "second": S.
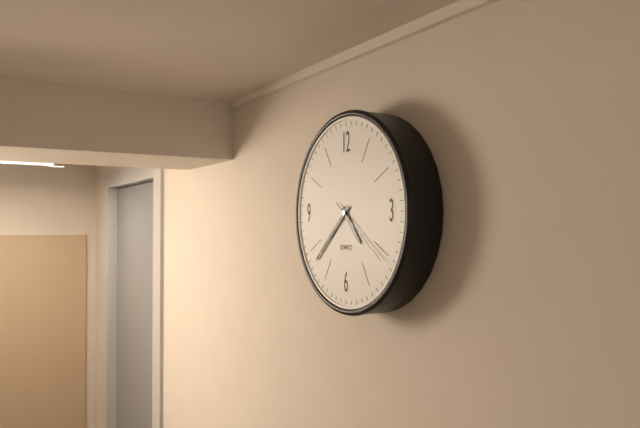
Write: {"hour": 4, "minute": 38, "second": 21}
